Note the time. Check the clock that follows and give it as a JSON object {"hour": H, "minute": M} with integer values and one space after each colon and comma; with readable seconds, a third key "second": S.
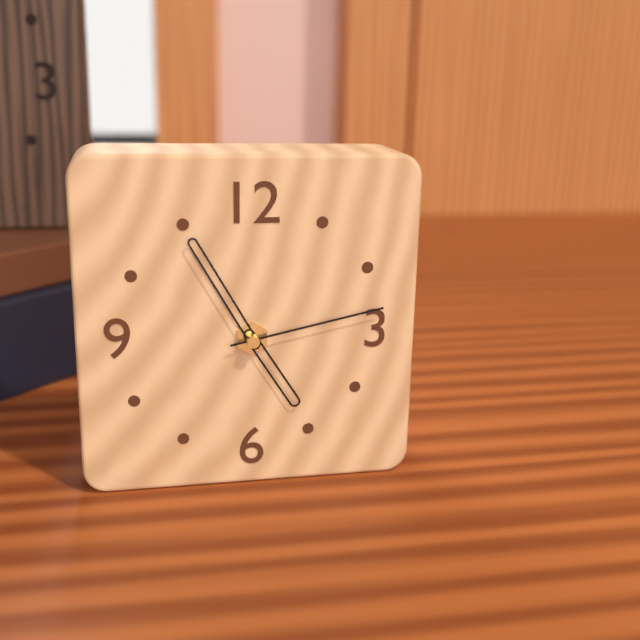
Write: {"hour": 4, "minute": 55, "second": 13}
